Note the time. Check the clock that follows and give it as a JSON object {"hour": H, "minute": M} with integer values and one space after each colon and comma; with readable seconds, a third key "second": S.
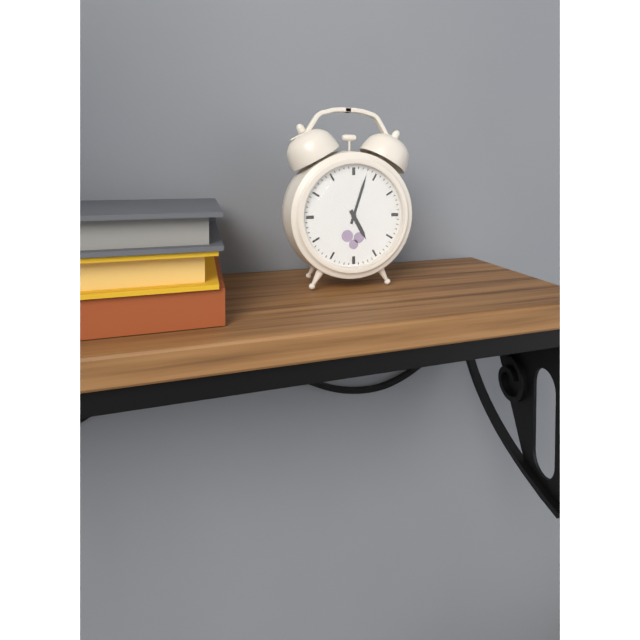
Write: {"hour": 5, "minute": 3}
